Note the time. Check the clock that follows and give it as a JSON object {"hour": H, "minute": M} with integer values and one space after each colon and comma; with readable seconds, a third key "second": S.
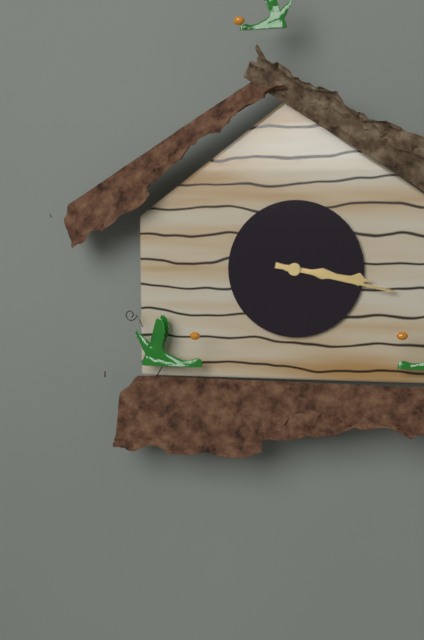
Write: {"hour": 3, "minute": 17}
